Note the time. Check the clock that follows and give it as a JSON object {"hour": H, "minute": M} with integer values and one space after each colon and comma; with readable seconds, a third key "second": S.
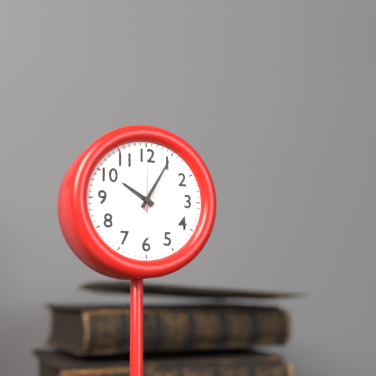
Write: {"hour": 10, "minute": 5, "second": 0}
